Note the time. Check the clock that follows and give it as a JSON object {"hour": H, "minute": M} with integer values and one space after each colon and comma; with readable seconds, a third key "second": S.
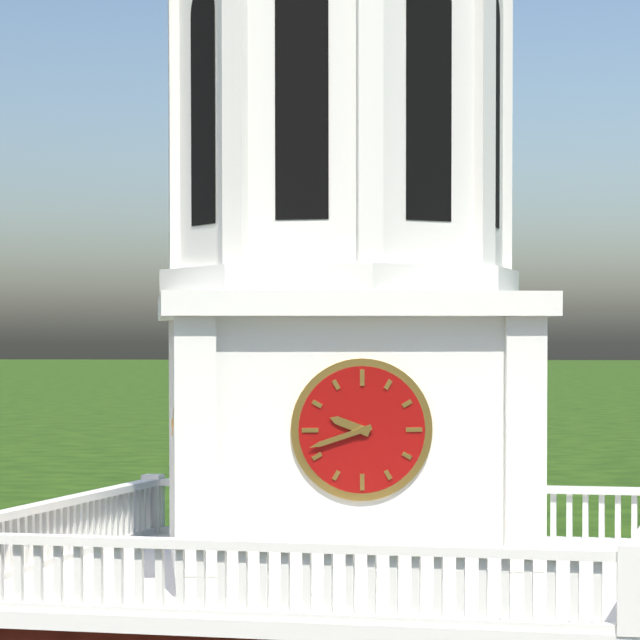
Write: {"hour": 9, "minute": 42}
